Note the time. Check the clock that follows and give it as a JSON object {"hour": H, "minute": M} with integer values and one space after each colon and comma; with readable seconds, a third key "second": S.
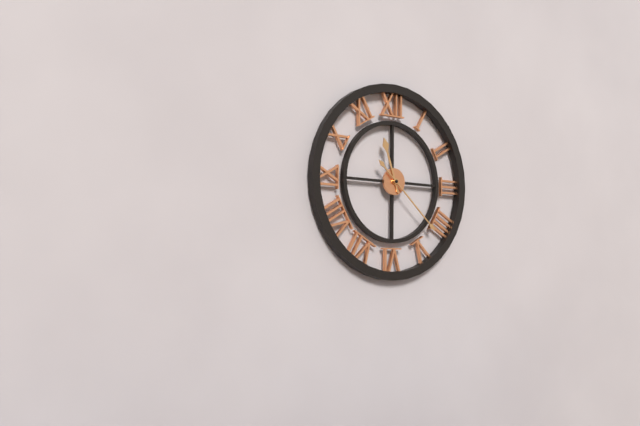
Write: {"hour": 11, "minute": 22}
